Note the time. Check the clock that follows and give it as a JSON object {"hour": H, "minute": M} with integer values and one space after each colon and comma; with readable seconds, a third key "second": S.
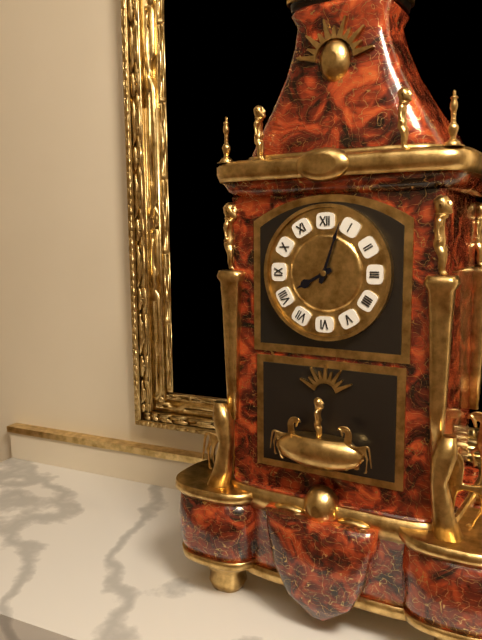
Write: {"hour": 8, "minute": 3}
